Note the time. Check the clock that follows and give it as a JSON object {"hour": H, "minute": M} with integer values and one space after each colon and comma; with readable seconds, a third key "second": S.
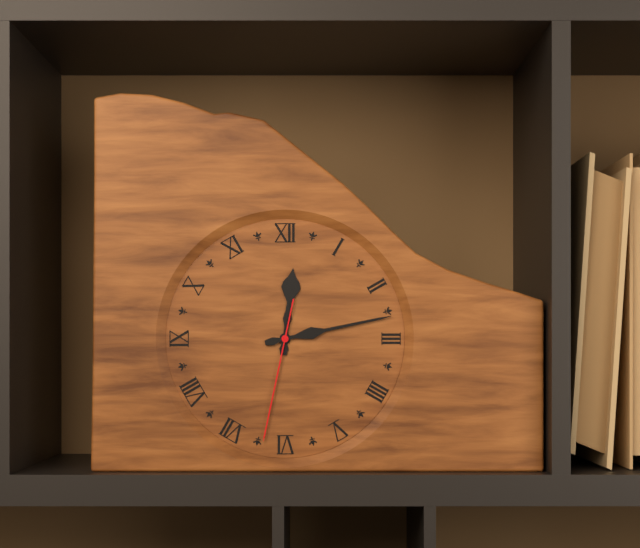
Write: {"hour": 12, "minute": 13, "second": 32}
